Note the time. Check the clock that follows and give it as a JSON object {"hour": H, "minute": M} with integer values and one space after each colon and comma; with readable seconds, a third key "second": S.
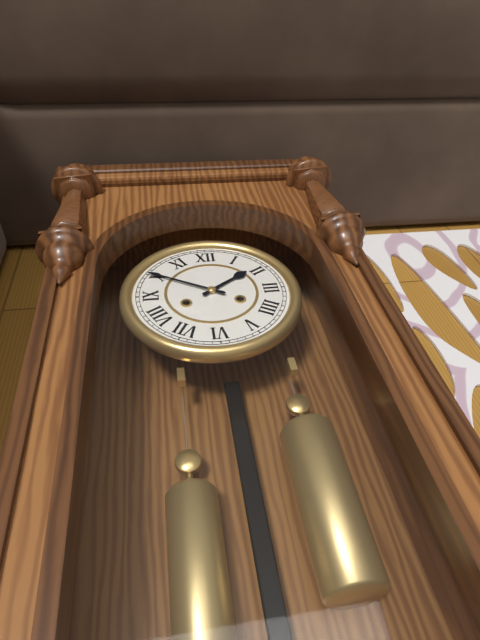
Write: {"hour": 1, "minute": 50}
